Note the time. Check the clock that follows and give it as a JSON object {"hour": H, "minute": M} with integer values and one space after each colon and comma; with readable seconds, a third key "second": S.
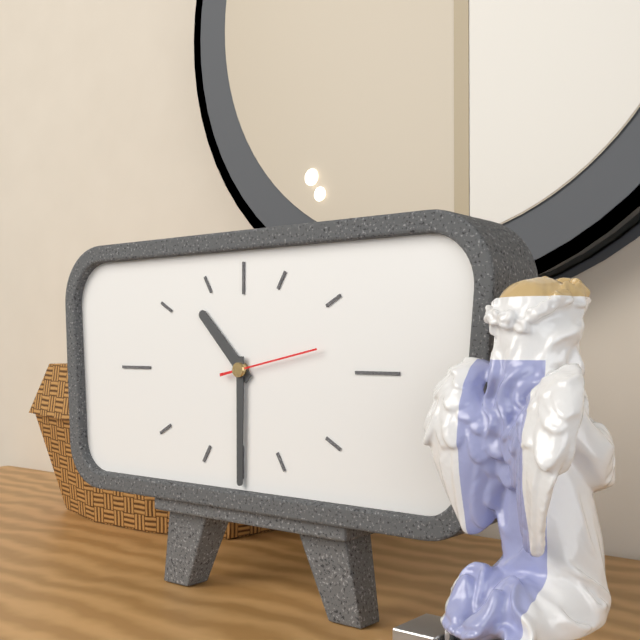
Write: {"hour": 10, "minute": 30, "second": 13}
